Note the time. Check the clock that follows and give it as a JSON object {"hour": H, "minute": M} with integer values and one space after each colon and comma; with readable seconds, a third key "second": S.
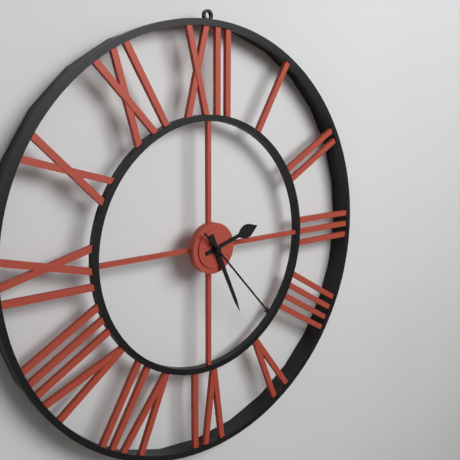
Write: {"hour": 2, "minute": 26, "second": 23}
